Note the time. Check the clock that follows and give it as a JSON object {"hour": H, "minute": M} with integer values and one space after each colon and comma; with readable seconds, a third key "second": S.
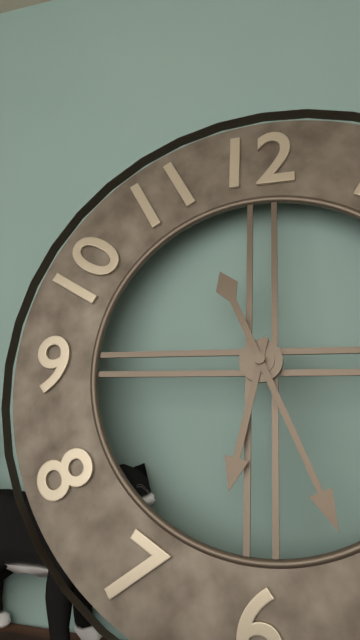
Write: {"hour": 6, "minute": 26}
